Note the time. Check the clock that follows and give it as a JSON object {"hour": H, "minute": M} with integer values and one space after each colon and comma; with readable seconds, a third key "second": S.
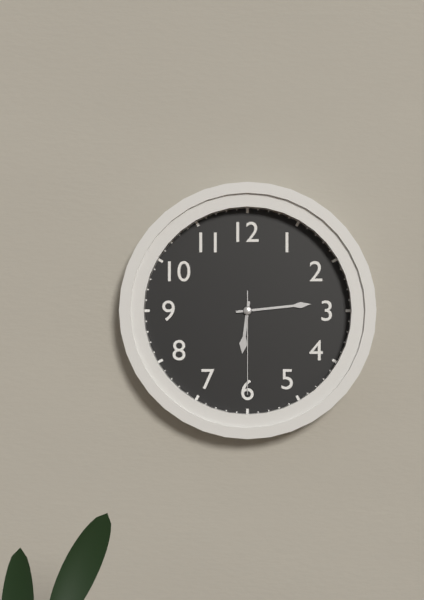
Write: {"hour": 6, "minute": 14, "second": 30}
